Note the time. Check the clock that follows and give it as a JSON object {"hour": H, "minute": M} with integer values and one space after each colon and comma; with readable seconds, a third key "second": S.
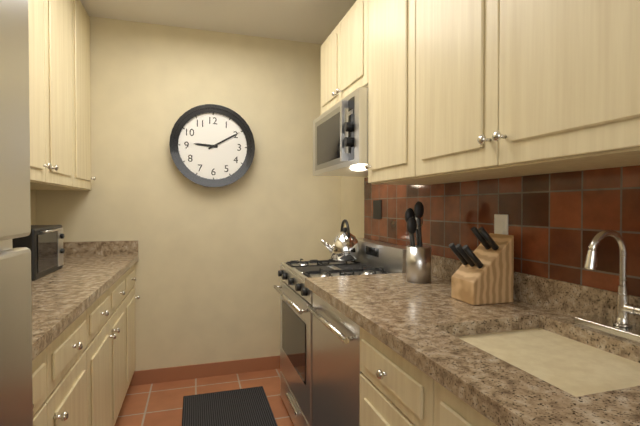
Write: {"hour": 9, "minute": 10}
